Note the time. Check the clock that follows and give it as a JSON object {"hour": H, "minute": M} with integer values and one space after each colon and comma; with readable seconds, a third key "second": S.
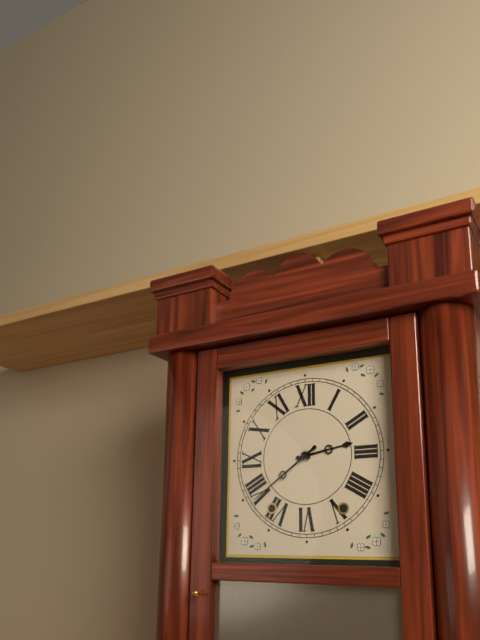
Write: {"hour": 2, "minute": 39}
